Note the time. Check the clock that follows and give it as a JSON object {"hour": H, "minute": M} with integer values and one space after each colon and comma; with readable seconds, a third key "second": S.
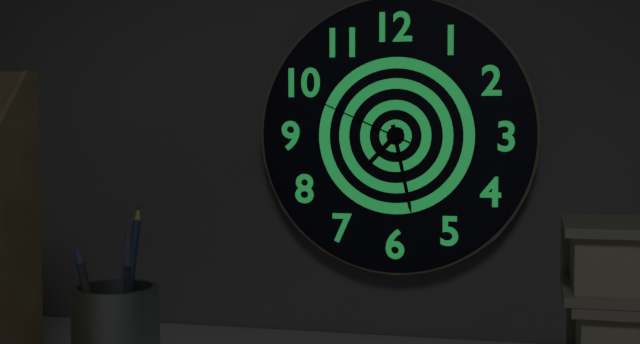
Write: {"hour": 7, "minute": 28, "second": 49}
